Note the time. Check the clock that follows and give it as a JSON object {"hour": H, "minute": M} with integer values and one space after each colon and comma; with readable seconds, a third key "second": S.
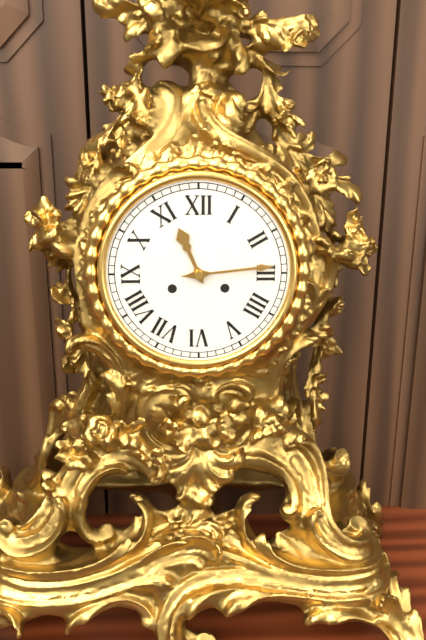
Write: {"hour": 11, "minute": 14}
